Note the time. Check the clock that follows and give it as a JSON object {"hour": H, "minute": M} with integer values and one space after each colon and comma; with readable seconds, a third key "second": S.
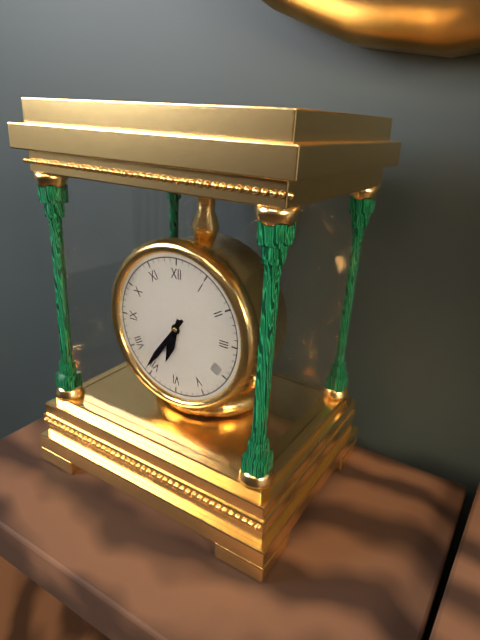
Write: {"hour": 6, "minute": 36}
